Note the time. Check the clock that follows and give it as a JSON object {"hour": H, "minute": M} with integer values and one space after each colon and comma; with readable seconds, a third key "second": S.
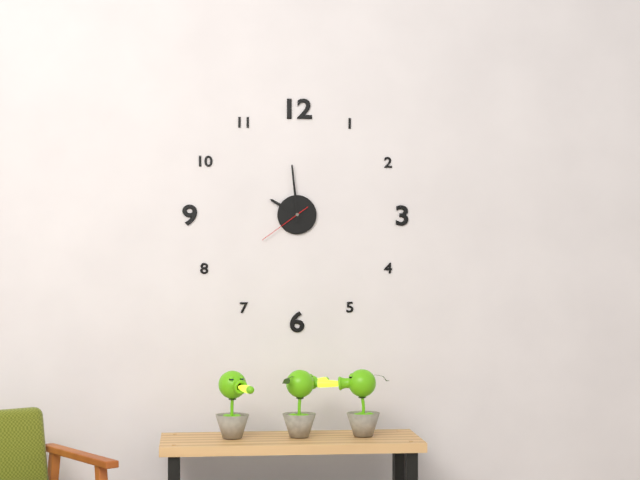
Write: {"hour": 9, "minute": 59, "second": 39}
